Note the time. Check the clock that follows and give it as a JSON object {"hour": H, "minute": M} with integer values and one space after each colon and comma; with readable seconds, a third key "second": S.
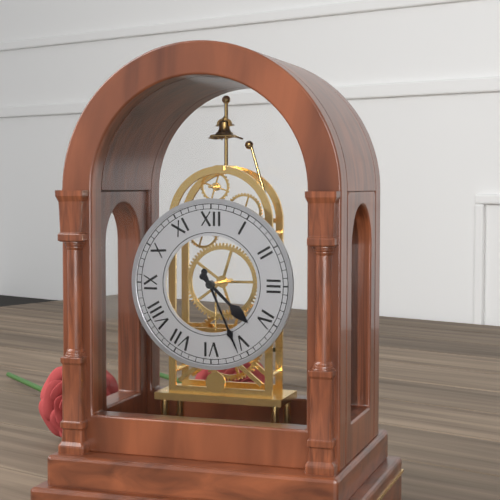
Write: {"hour": 4, "minute": 26}
